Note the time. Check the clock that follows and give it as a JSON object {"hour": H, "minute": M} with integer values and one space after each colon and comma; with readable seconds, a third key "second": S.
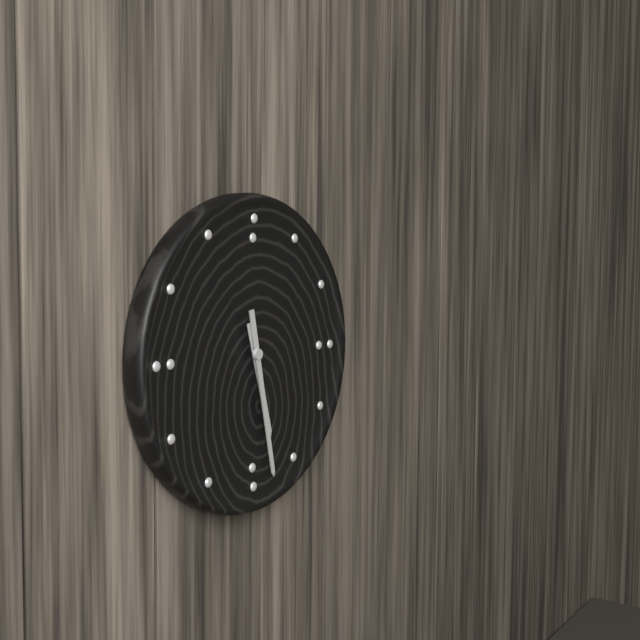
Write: {"hour": 5, "minute": 28}
